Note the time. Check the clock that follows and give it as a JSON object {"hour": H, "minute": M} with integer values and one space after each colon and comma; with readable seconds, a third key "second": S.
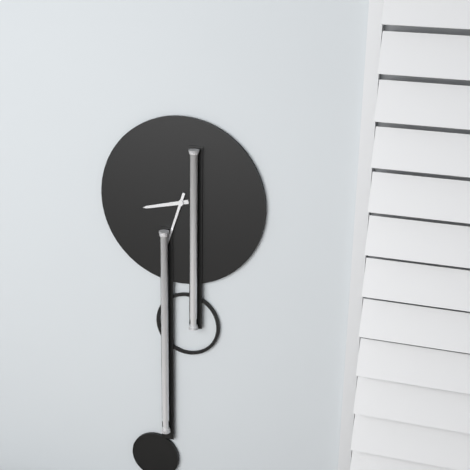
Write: {"hour": 8, "minute": 33}
